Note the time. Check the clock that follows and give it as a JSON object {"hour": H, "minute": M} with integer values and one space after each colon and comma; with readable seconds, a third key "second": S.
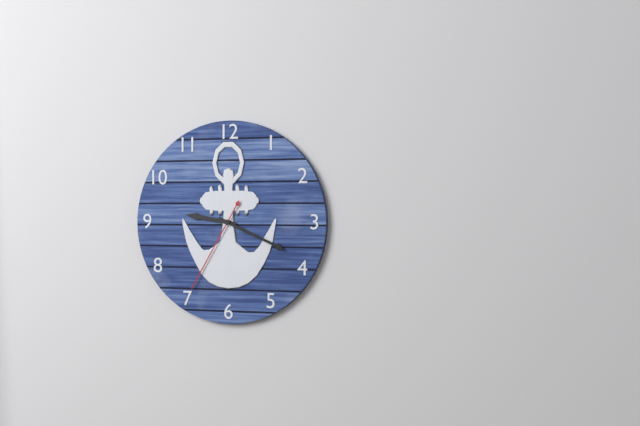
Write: {"hour": 9, "minute": 19, "second": 35}
